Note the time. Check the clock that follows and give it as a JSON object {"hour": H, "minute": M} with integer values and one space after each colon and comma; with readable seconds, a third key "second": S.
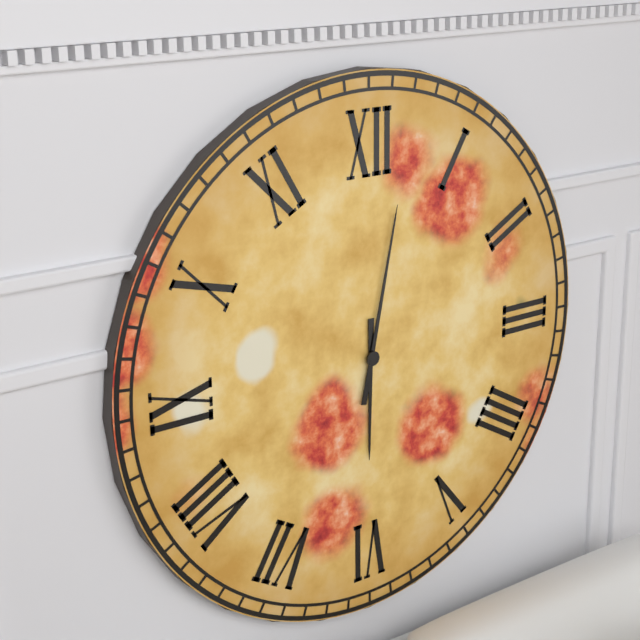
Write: {"hour": 6, "minute": 2}
